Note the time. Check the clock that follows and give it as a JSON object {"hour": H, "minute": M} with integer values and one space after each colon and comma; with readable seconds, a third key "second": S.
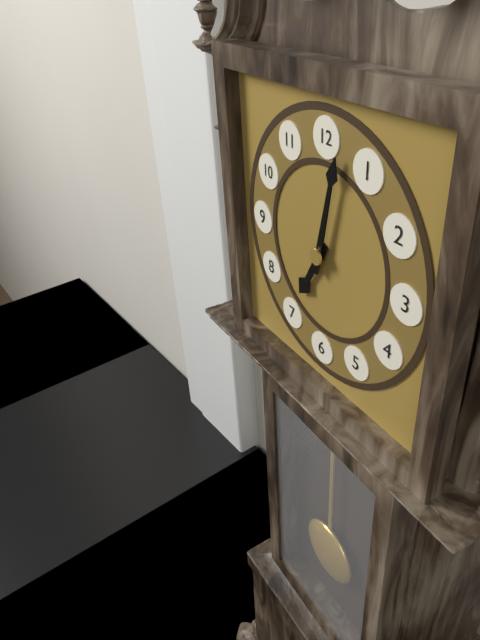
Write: {"hour": 7, "minute": 2}
